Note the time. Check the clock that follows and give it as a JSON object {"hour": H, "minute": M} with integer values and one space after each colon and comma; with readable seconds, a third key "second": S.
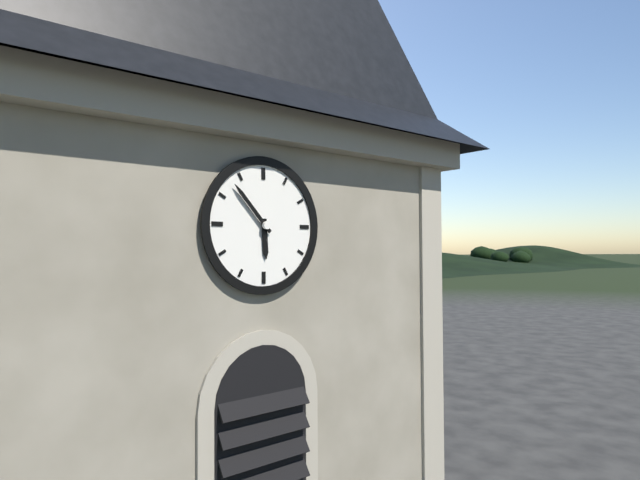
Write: {"hour": 5, "minute": 53}
